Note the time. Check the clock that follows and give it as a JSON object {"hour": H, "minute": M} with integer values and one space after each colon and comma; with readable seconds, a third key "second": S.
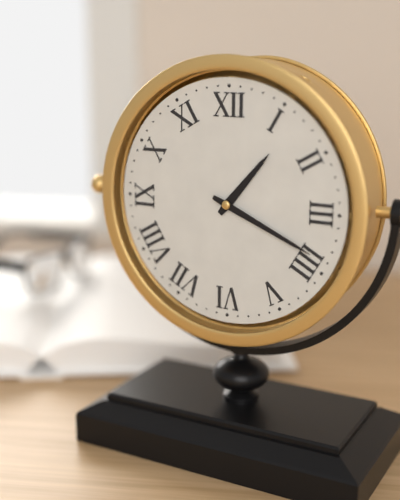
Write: {"hour": 1, "minute": 19}
